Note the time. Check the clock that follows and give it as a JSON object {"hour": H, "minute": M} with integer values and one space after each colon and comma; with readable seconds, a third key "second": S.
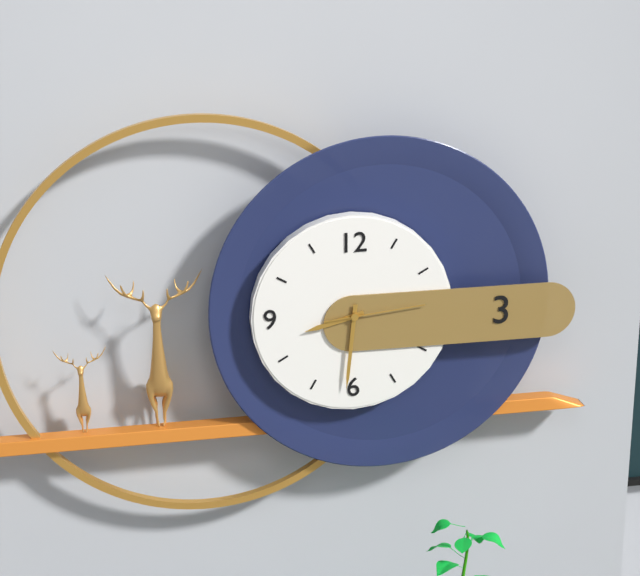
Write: {"hour": 8, "minute": 31, "second": 14}
